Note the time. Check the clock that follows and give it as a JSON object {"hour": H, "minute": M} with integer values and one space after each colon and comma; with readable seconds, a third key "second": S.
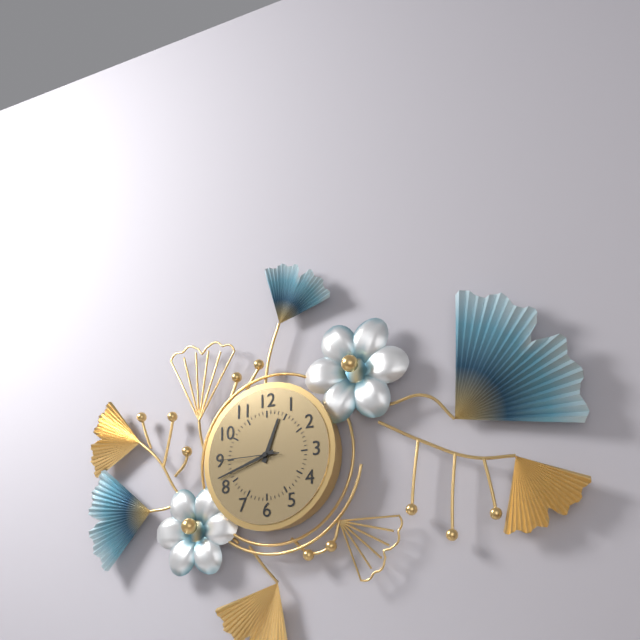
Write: {"hour": 12, "minute": 42, "second": 45}
